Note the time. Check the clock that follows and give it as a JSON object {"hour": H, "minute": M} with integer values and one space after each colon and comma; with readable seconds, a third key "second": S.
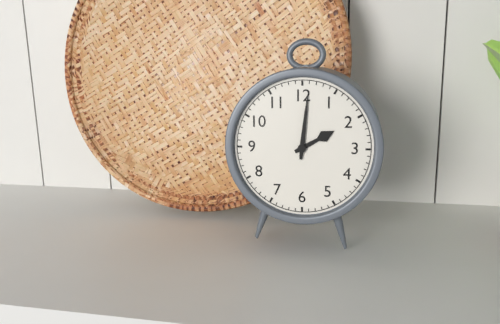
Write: {"hour": 2, "minute": 1}
